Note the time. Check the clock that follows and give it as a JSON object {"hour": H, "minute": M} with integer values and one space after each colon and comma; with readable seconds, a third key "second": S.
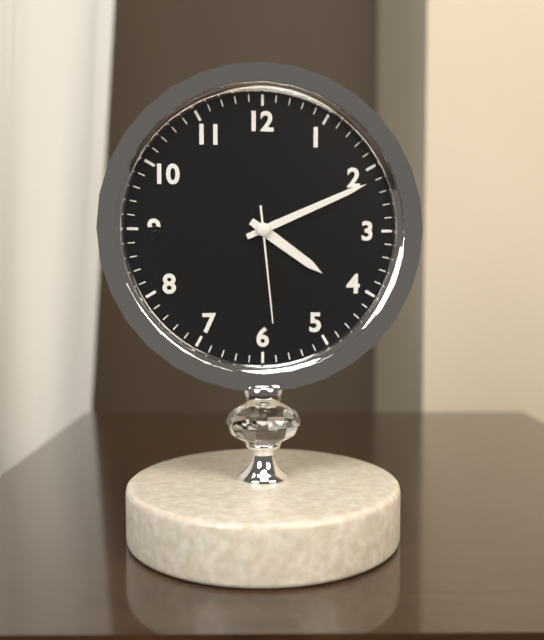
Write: {"hour": 4, "minute": 11, "second": 29}
